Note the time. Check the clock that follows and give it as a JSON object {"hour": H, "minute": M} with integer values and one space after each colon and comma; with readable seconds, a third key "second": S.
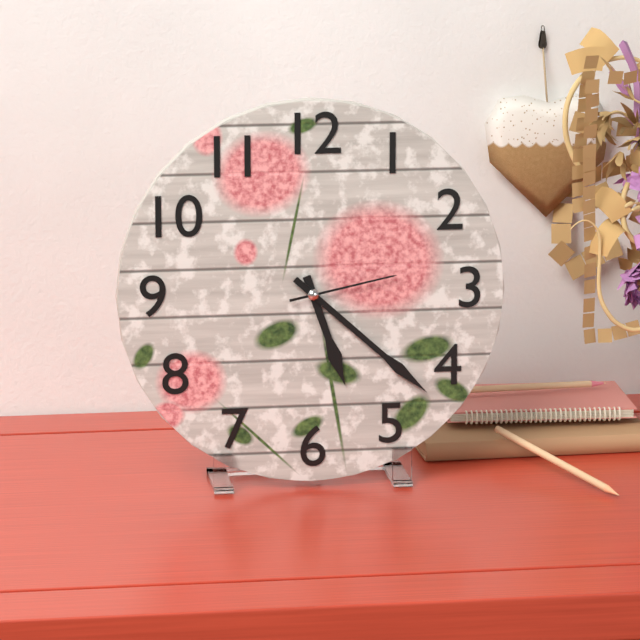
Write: {"hour": 5, "minute": 22, "second": 13}
